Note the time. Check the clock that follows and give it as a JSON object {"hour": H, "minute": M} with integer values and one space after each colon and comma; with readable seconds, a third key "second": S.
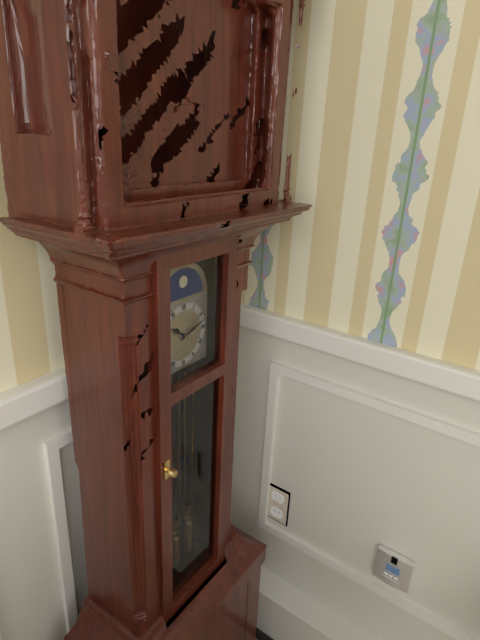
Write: {"hour": 10, "minute": 12}
